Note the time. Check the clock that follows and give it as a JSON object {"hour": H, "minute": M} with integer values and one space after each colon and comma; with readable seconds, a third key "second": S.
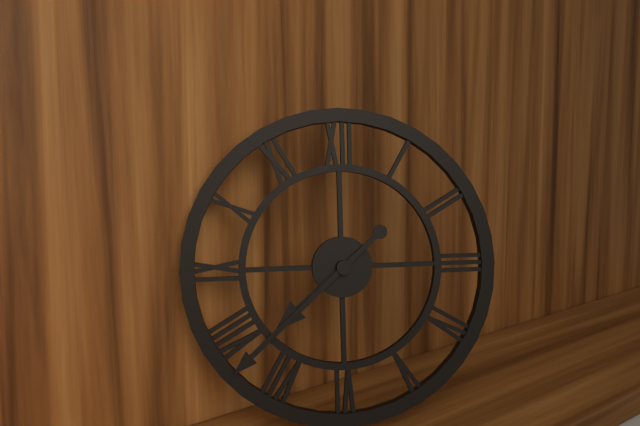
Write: {"hour": 7, "minute": 38}
